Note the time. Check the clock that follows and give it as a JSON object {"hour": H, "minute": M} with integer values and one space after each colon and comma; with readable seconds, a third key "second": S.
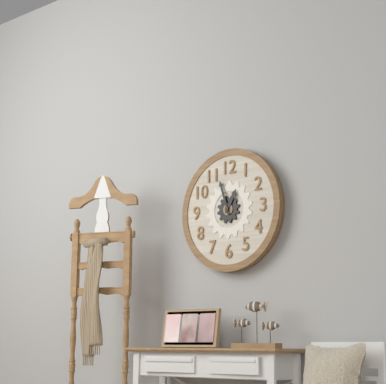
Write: {"hour": 12, "minute": 57}
